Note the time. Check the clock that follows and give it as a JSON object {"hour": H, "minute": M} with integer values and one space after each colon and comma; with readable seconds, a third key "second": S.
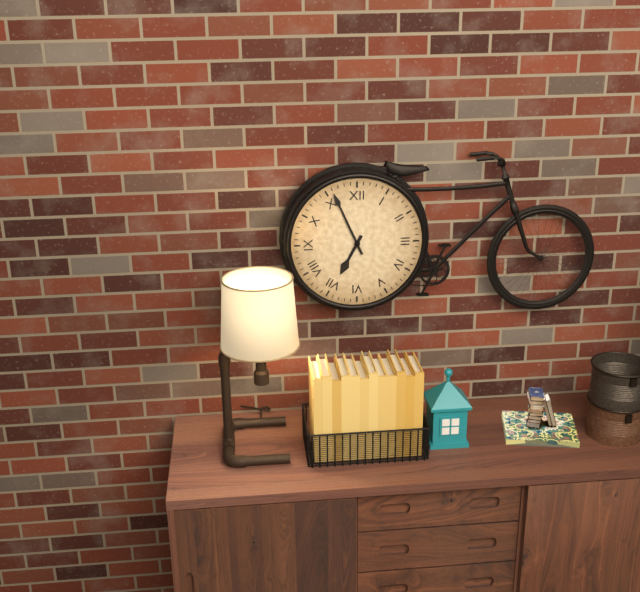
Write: {"hour": 6, "minute": 56}
